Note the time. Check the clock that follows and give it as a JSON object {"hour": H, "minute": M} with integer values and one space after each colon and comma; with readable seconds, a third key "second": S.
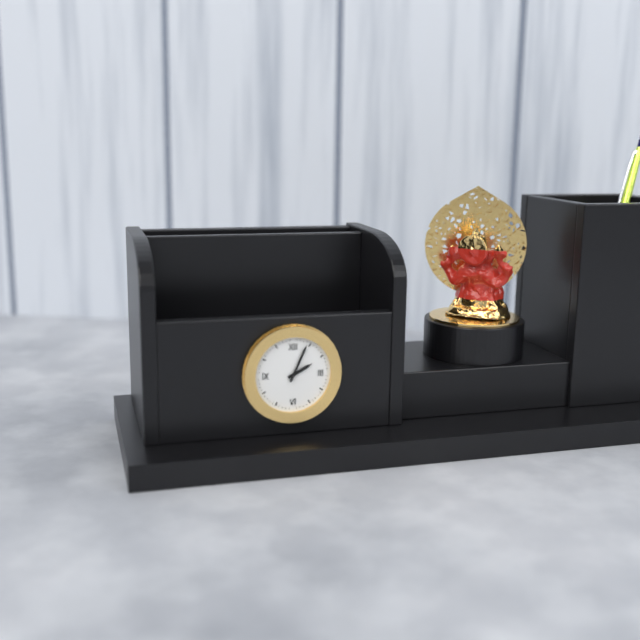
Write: {"hour": 2, "minute": 4}
